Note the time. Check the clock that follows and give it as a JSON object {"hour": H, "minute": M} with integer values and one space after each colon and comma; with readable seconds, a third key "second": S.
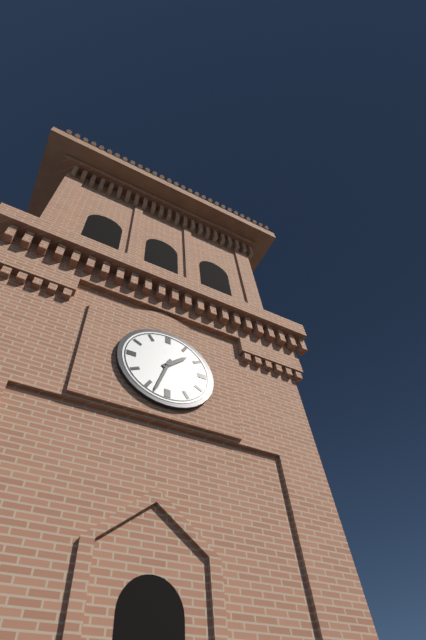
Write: {"hour": 1, "minute": 33}
